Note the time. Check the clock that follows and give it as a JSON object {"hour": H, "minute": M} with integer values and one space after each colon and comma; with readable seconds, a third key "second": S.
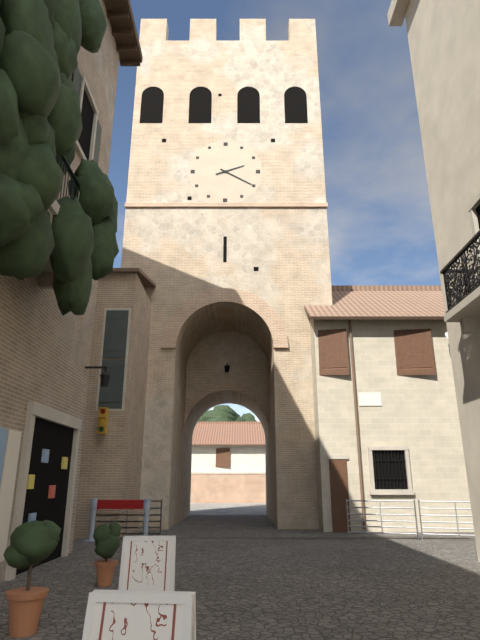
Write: {"hour": 2, "minute": 20}
